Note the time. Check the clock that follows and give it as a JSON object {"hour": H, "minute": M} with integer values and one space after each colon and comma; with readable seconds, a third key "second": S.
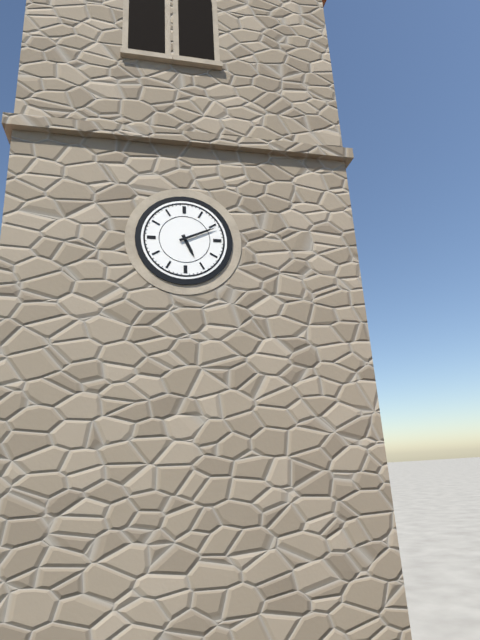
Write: {"hour": 5, "minute": 11}
